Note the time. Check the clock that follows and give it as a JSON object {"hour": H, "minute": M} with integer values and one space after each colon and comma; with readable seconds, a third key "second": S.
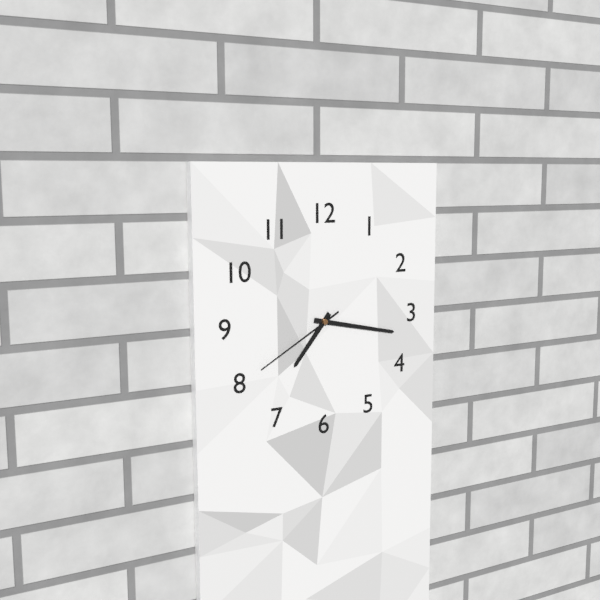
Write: {"hour": 7, "minute": 17, "second": 40}
